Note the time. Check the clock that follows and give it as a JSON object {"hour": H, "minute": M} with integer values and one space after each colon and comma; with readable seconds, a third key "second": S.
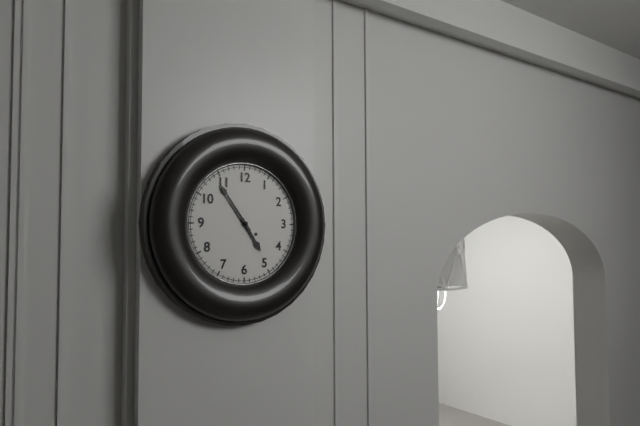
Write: {"hour": 4, "minute": 54}
